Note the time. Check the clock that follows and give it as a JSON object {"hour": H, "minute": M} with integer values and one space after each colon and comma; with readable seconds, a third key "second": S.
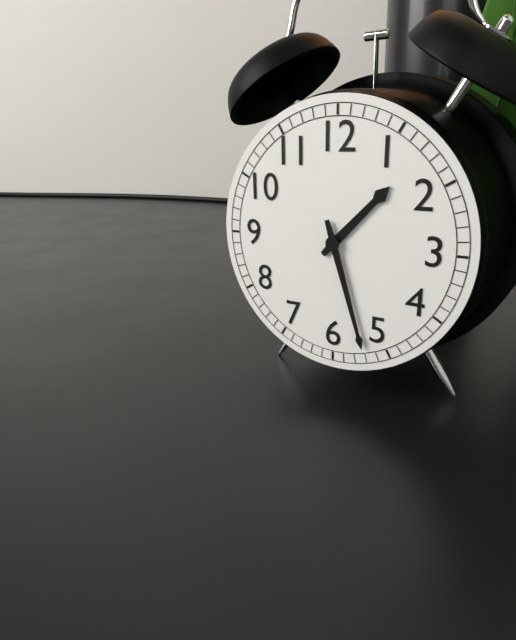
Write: {"hour": 1, "minute": 27}
